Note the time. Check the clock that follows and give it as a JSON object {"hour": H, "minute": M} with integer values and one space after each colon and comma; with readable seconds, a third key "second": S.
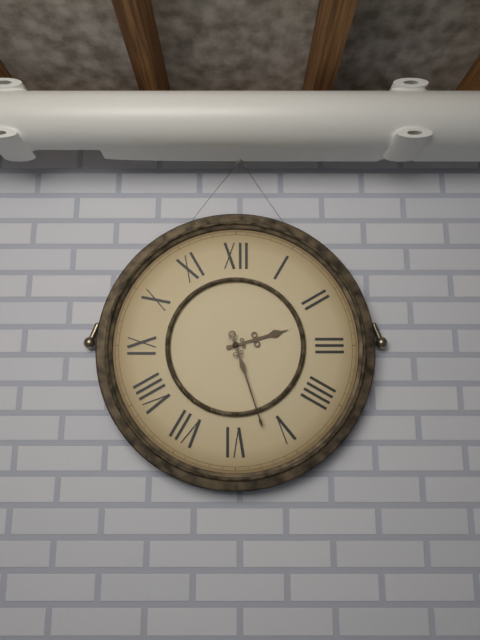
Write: {"hour": 2, "minute": 27}
